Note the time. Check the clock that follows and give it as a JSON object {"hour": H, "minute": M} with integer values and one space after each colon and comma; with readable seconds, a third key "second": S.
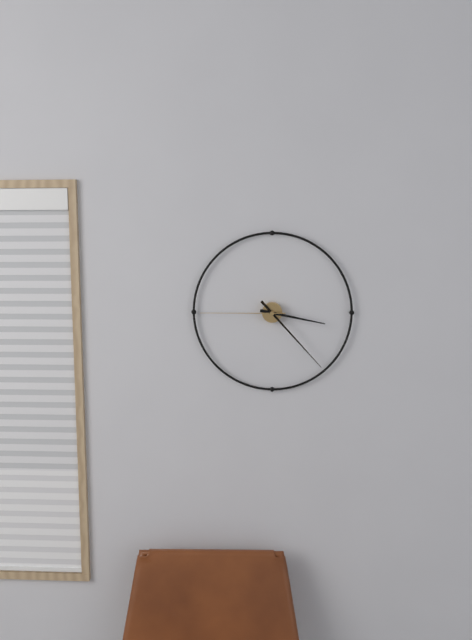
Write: {"hour": 3, "minute": 23, "second": 45}
